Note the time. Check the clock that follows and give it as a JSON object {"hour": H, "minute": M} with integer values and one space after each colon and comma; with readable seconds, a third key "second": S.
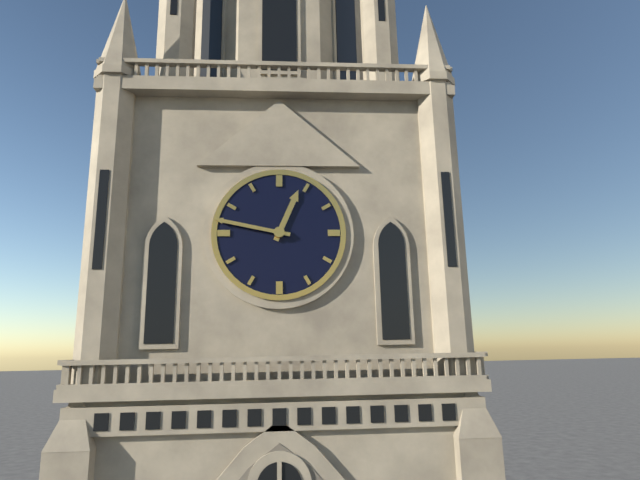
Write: {"hour": 12, "minute": 47}
